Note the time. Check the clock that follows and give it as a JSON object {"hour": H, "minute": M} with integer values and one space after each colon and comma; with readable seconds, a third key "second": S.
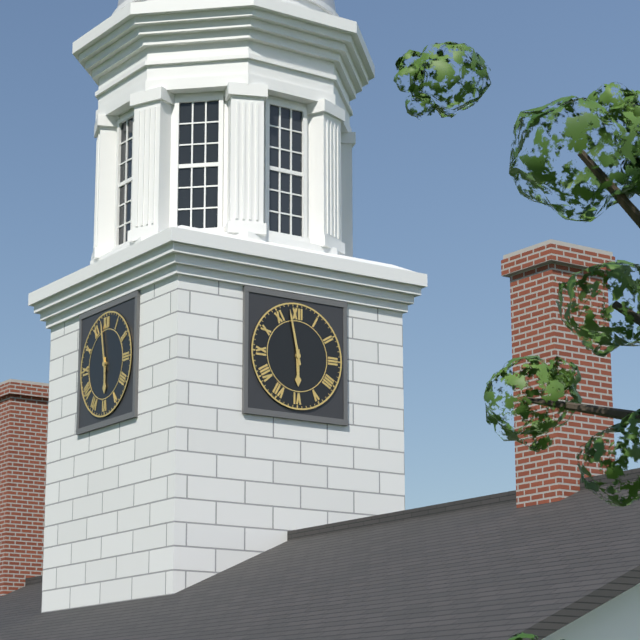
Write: {"hour": 5, "minute": 58}
